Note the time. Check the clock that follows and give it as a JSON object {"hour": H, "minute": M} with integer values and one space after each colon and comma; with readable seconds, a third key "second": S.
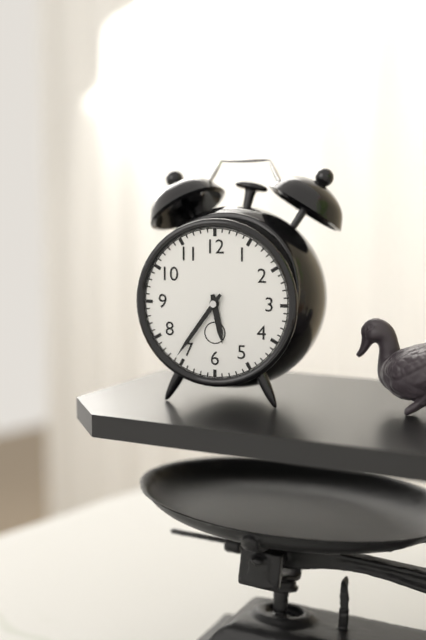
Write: {"hour": 5, "minute": 36}
